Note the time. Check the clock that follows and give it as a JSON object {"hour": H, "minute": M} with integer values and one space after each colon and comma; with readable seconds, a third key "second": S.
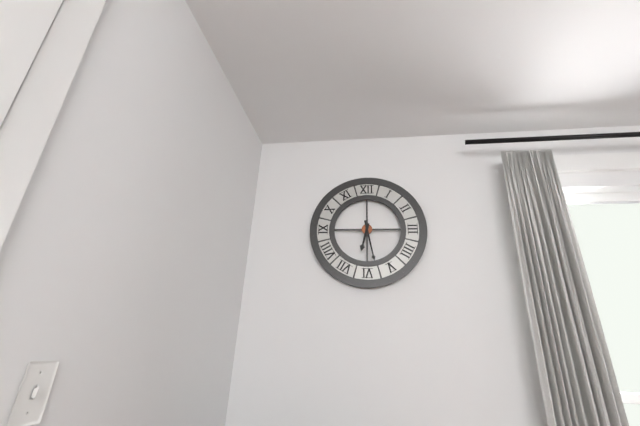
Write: {"hour": 6, "minute": 28}
